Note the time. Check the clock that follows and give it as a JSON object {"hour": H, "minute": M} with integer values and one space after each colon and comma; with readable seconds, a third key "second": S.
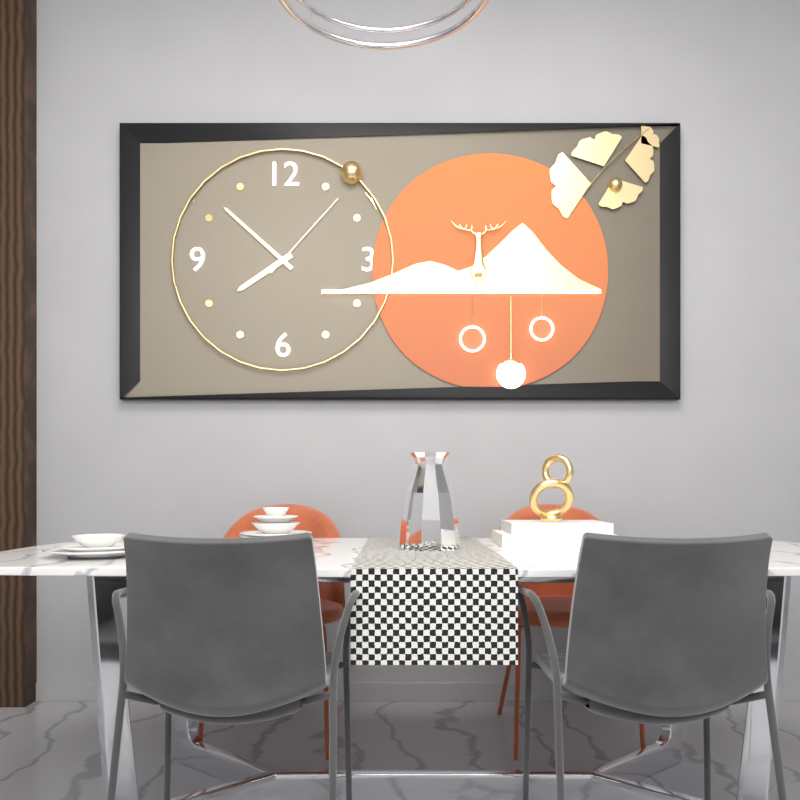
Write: {"hour": 7, "minute": 52, "second": 7}
